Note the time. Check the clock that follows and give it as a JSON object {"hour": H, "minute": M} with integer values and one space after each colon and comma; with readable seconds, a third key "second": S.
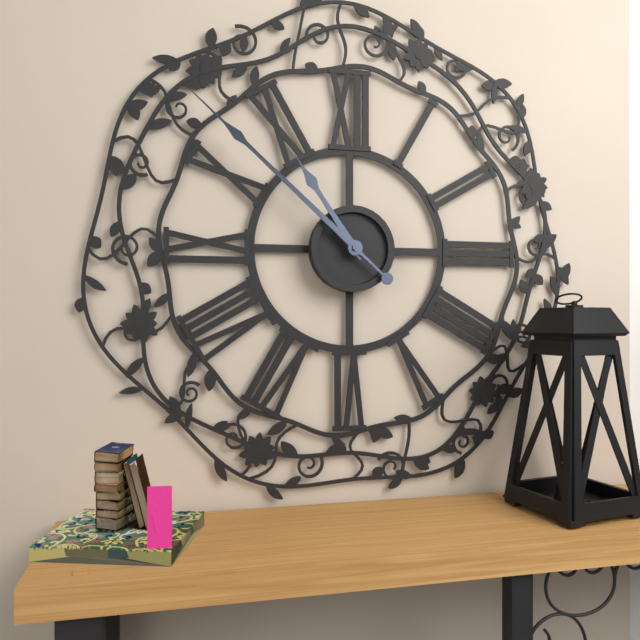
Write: {"hour": 10, "minute": 52}
